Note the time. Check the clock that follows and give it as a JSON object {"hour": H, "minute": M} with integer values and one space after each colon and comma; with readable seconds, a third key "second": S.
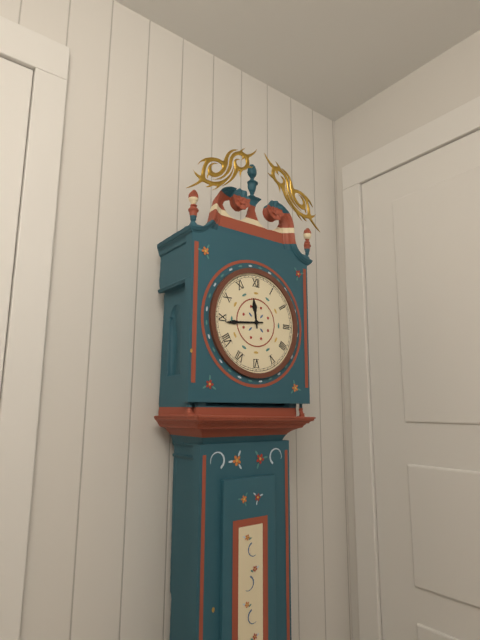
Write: {"hour": 11, "minute": 44}
